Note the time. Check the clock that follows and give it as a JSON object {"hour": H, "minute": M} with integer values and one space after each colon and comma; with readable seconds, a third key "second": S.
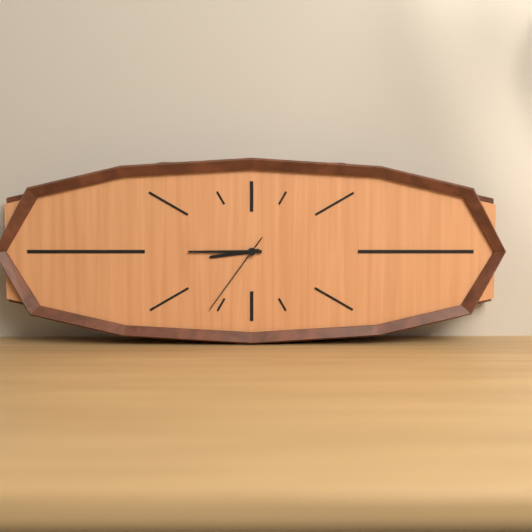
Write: {"hour": 8, "minute": 45, "second": 36}
